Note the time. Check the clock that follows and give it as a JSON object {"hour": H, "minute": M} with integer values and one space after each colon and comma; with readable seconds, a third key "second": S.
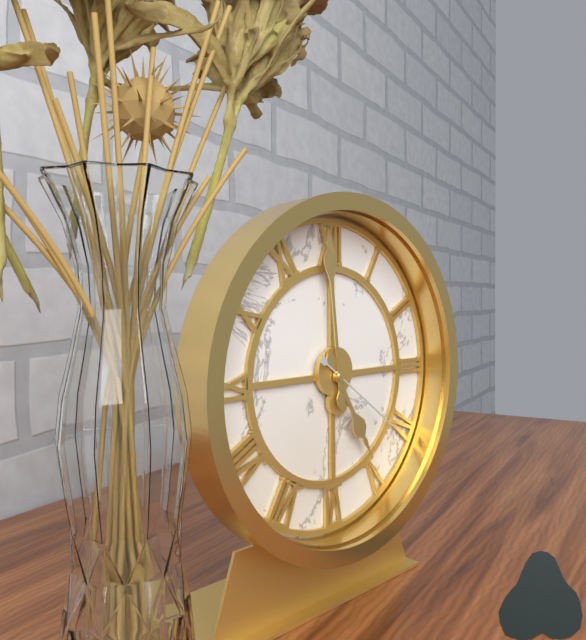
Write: {"hour": 4, "minute": 59, "second": 21}
